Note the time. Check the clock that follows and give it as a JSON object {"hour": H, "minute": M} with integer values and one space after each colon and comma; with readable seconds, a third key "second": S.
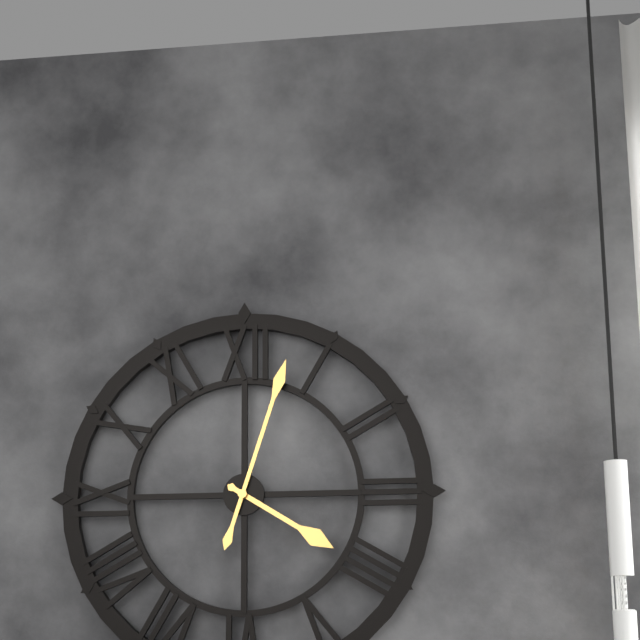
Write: {"hour": 4, "minute": 3}
